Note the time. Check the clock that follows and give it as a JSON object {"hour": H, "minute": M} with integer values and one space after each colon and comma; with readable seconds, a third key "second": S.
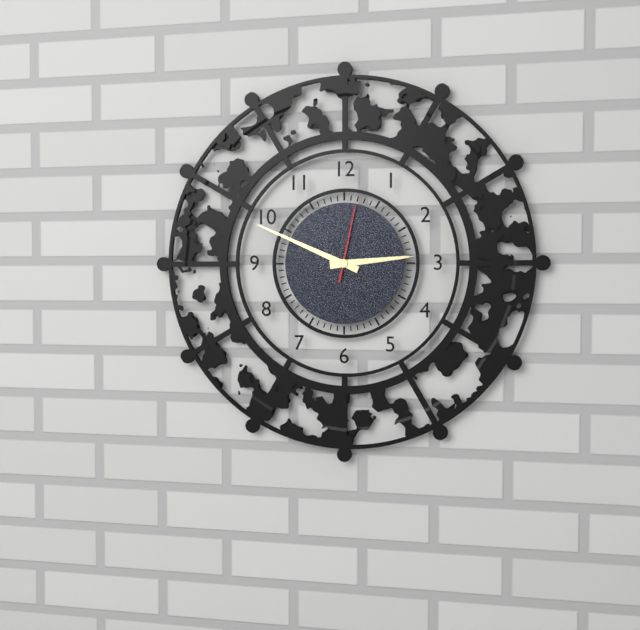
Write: {"hour": 2, "minute": 49, "second": 2}
